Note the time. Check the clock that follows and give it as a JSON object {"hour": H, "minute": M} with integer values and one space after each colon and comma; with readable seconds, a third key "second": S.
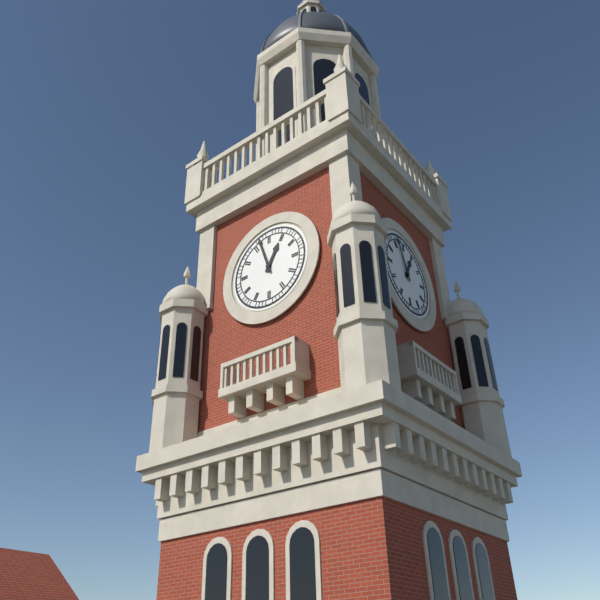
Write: {"hour": 12, "minute": 57}
